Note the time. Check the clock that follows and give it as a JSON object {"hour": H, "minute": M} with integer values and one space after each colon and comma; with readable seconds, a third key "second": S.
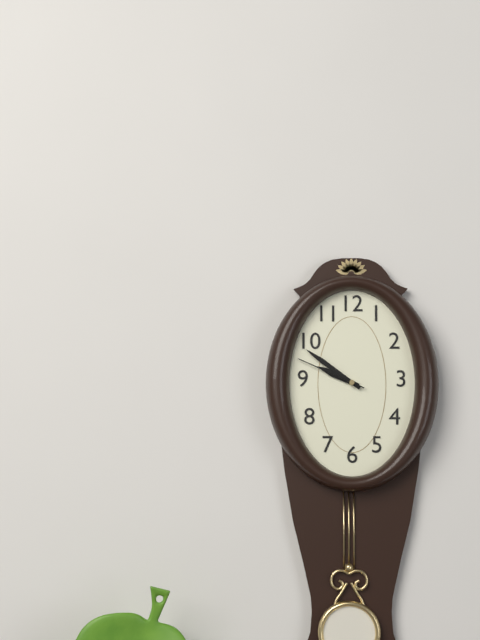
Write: {"hour": 9, "minute": 51, "second": 49}
